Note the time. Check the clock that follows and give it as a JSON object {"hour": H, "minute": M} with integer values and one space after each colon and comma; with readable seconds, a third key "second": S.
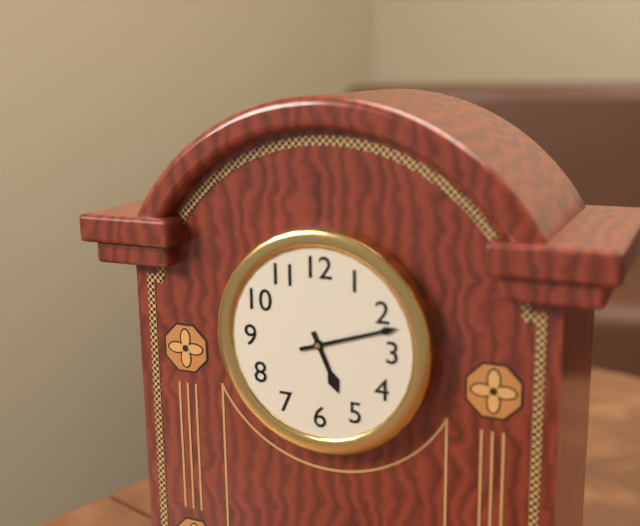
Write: {"hour": 5, "minute": 12}
